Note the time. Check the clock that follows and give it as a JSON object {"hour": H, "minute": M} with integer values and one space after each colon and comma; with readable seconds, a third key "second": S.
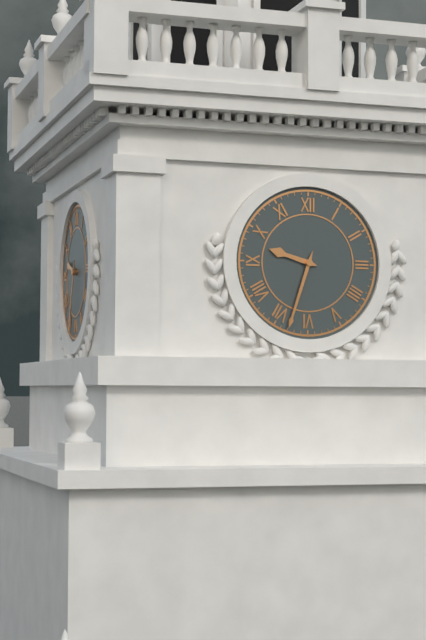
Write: {"hour": 9, "minute": 33}
